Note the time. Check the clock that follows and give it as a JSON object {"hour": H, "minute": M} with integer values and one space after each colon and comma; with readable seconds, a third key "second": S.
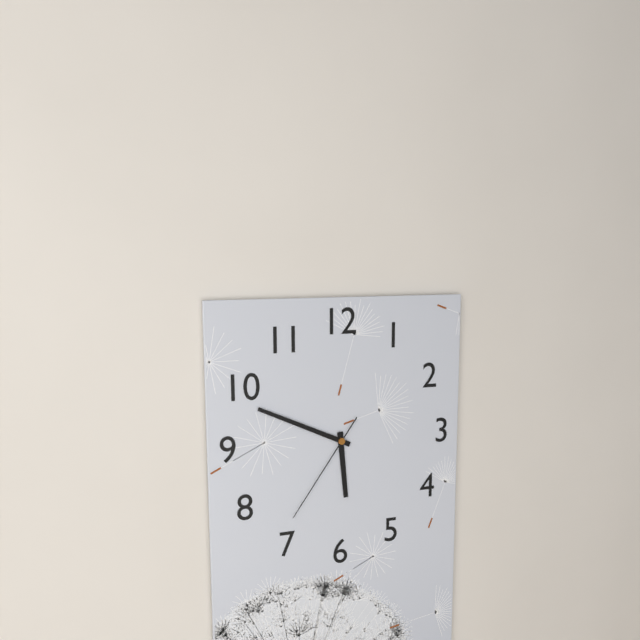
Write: {"hour": 5, "minute": 49, "second": 36}
